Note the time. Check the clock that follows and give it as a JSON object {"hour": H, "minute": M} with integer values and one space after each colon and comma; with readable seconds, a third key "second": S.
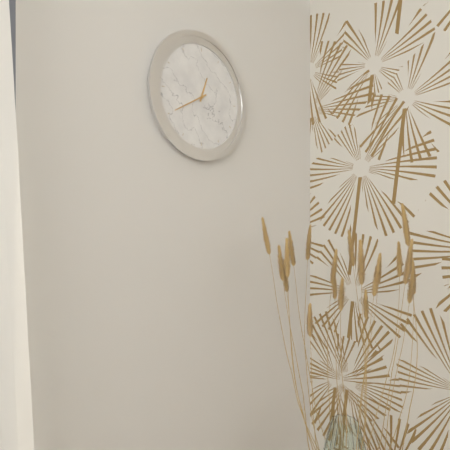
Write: {"hour": 12, "minute": 40}
